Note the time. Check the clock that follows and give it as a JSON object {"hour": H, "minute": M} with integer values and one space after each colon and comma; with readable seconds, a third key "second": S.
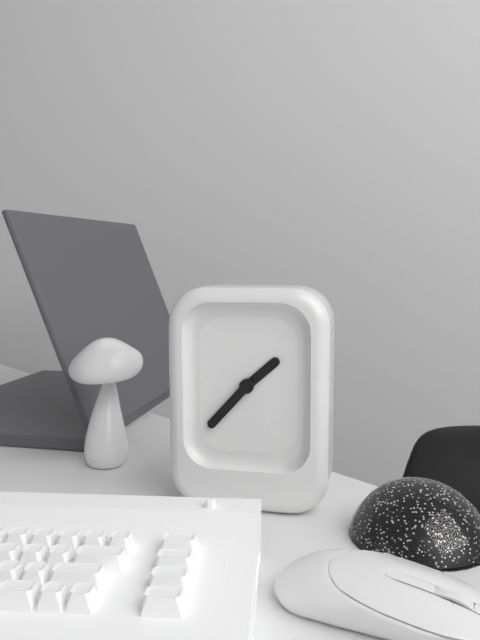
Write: {"hour": 1, "minute": 37}
